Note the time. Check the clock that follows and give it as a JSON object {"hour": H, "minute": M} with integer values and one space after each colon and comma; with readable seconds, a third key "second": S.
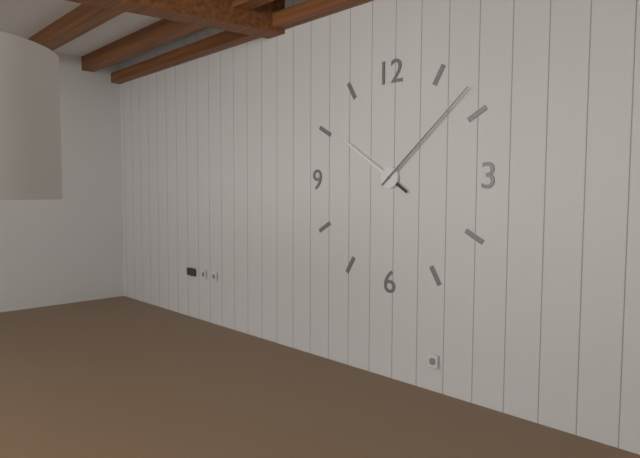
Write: {"hour": 10, "minute": 8}
